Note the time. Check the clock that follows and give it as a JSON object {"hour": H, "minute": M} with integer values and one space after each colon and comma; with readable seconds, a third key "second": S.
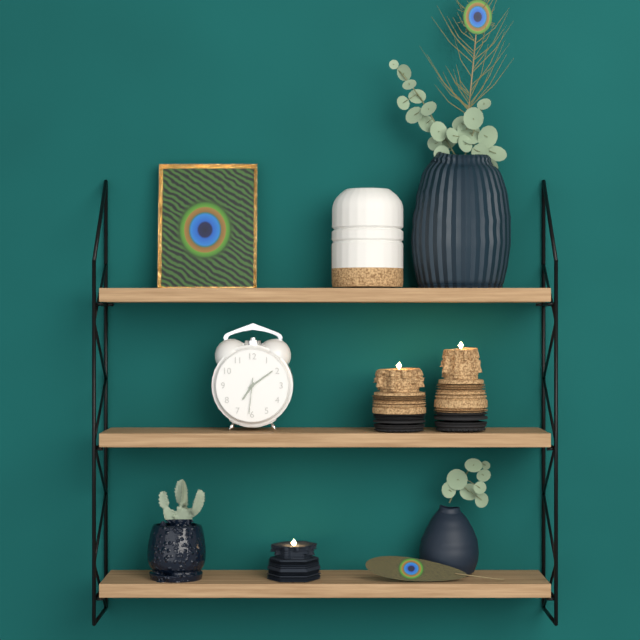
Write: {"hour": 7, "minute": 9}
